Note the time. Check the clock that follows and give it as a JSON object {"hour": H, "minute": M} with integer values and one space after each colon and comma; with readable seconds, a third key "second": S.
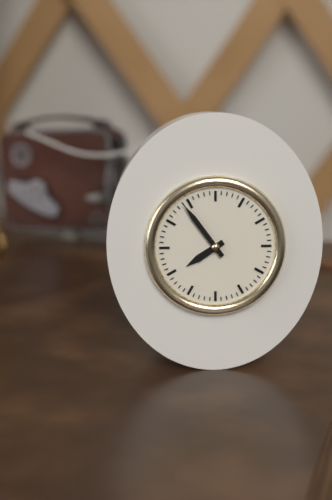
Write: {"hour": 7, "minute": 54}
